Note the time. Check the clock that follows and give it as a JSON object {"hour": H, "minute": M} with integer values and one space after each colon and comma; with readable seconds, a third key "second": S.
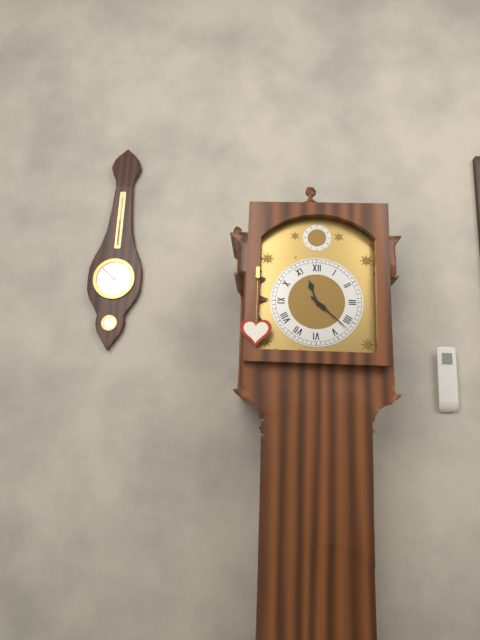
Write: {"hour": 11, "minute": 22}
